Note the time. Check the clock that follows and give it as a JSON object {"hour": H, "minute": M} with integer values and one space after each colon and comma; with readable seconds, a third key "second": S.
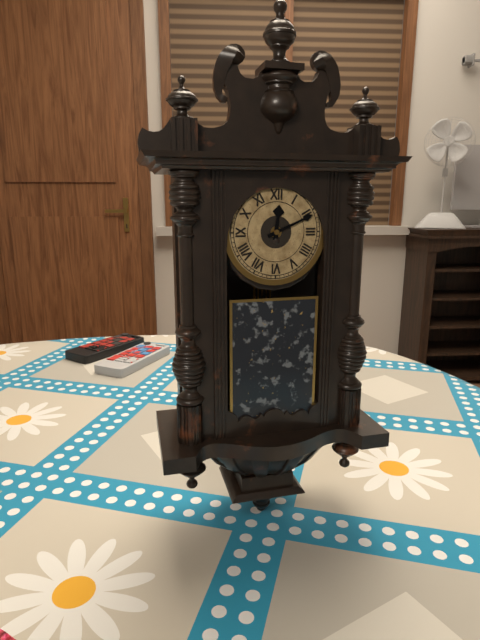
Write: {"hour": 12, "minute": 11}
